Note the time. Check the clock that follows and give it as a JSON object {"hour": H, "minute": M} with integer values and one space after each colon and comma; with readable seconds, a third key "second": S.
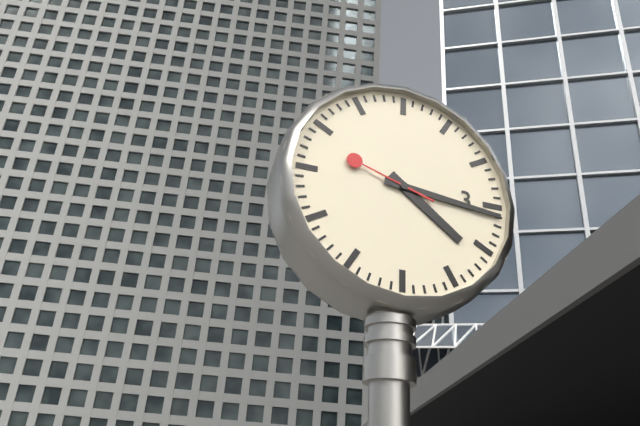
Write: {"hour": 4, "minute": 16, "second": 48}
